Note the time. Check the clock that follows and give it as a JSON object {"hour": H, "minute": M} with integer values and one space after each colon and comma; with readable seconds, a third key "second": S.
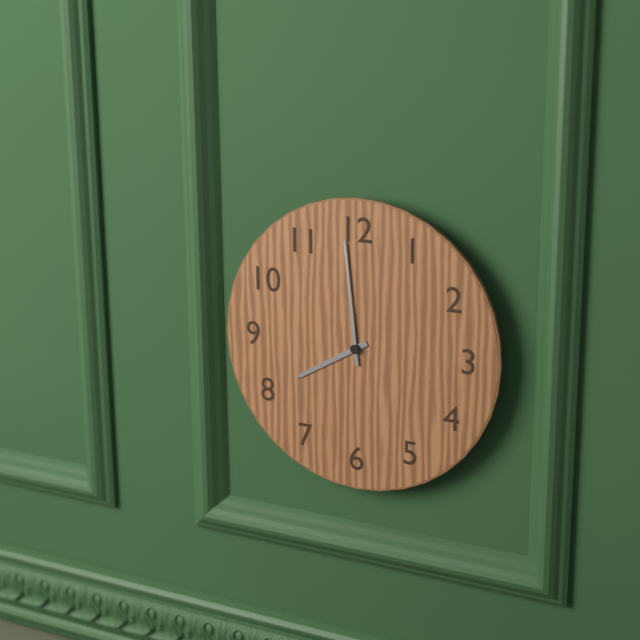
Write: {"hour": 7, "minute": 59}
